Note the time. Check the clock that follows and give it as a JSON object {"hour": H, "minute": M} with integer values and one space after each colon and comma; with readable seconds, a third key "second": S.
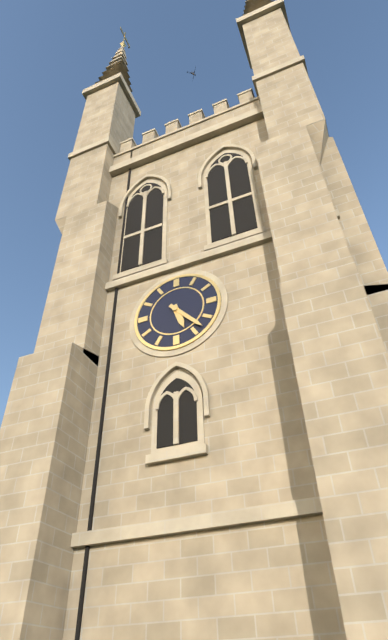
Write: {"hour": 5, "minute": 23}
